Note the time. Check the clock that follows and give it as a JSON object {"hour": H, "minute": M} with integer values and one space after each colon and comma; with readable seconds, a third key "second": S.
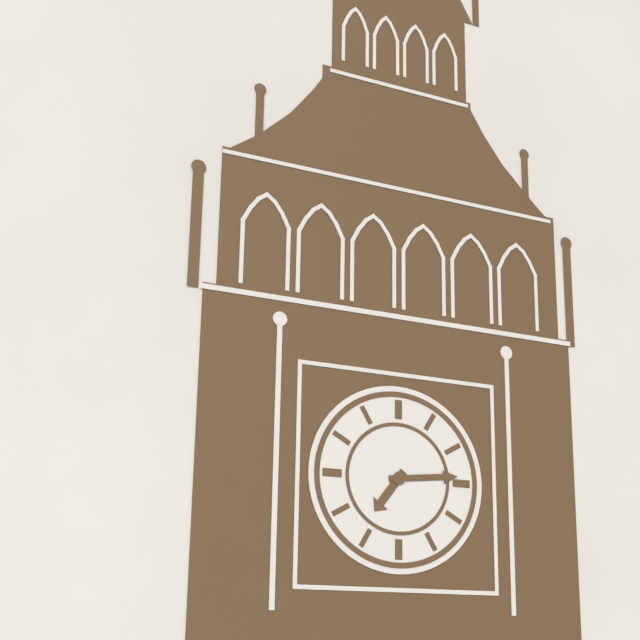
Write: {"hour": 7, "minute": 14}
